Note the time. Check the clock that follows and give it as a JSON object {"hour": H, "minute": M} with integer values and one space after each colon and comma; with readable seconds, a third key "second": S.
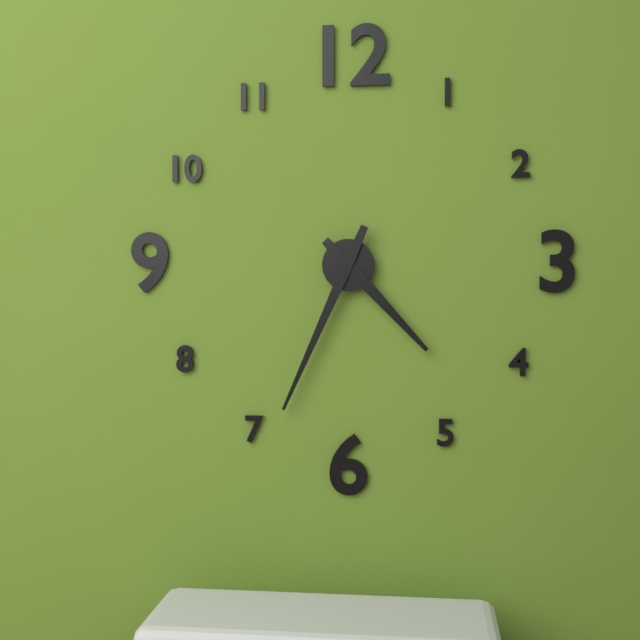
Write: {"hour": 4, "minute": 34}
